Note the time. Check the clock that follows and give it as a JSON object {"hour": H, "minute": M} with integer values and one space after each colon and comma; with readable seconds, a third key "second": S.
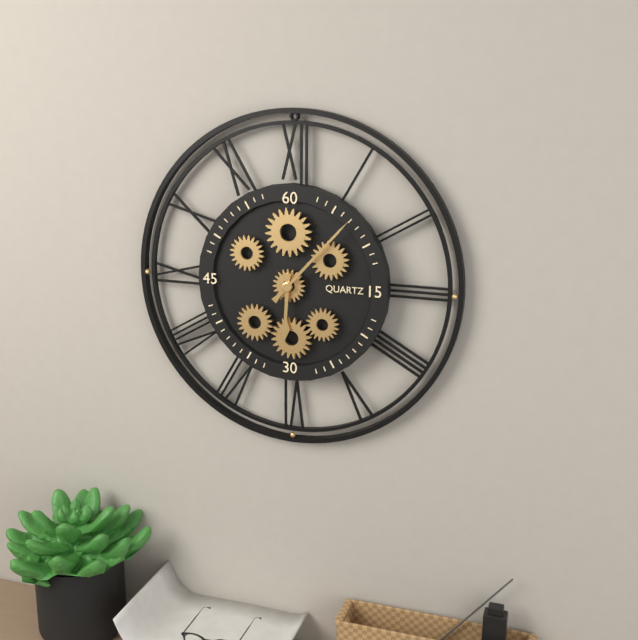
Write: {"hour": 6, "minute": 7}
